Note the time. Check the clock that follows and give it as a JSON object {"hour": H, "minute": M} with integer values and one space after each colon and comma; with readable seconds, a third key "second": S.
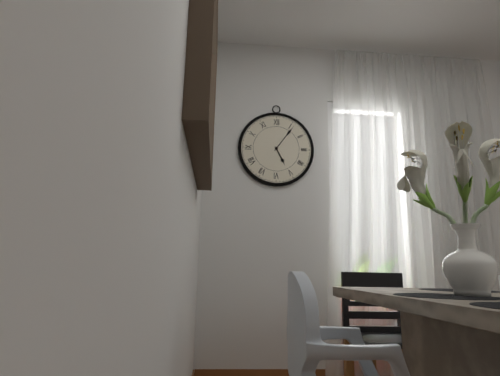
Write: {"hour": 5, "minute": 6}
